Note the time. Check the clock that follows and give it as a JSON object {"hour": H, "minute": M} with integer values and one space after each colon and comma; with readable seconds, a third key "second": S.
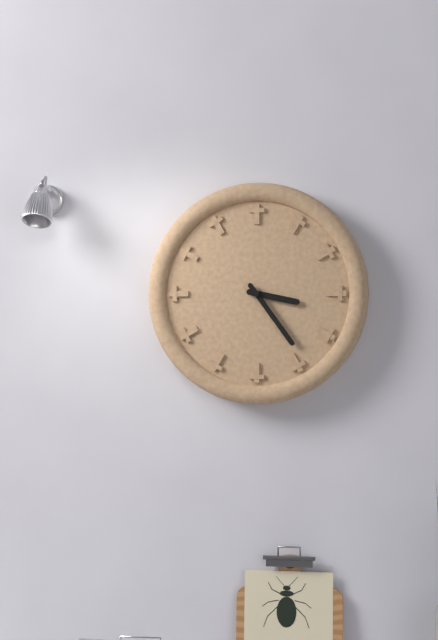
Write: {"hour": 3, "minute": 24}
